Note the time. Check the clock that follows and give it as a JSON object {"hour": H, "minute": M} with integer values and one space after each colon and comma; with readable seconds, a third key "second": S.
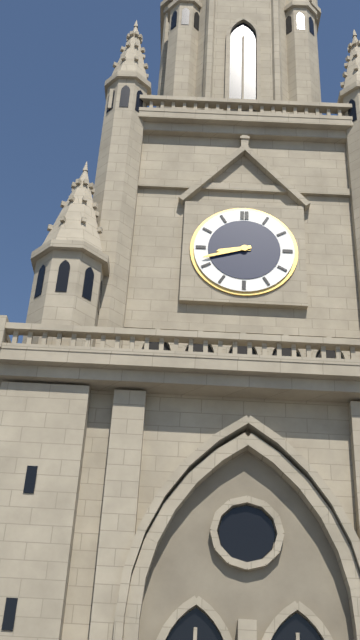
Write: {"hour": 8, "minute": 42}
